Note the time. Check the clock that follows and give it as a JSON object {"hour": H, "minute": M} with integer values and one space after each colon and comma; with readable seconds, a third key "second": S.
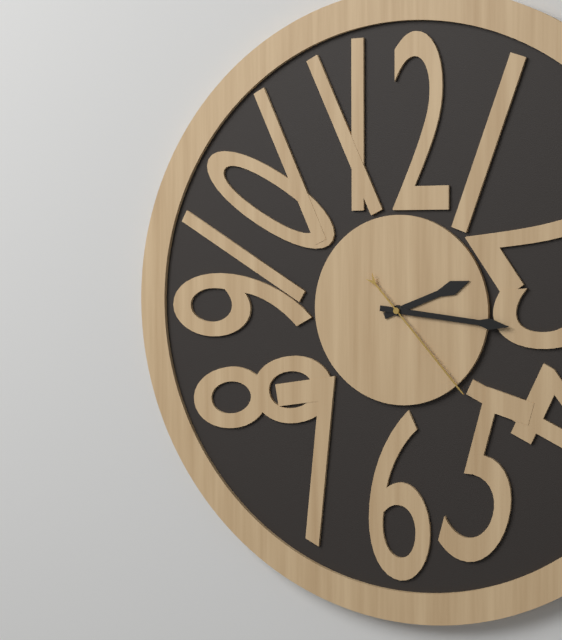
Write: {"hour": 2, "minute": 16, "second": 23}
